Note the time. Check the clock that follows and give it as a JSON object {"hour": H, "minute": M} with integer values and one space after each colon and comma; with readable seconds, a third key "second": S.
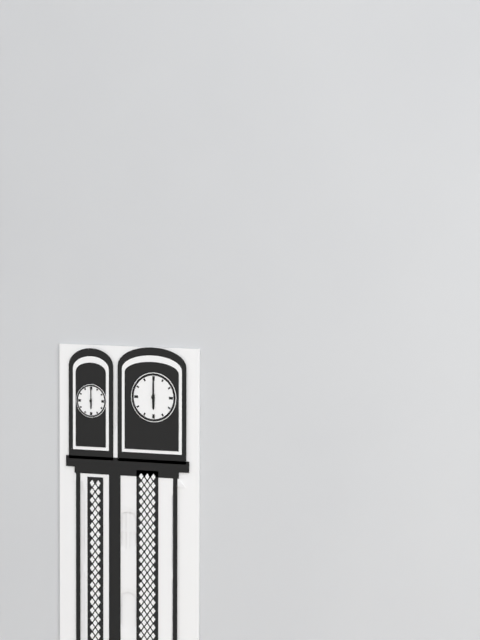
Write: {"hour": 6, "minute": 0}
